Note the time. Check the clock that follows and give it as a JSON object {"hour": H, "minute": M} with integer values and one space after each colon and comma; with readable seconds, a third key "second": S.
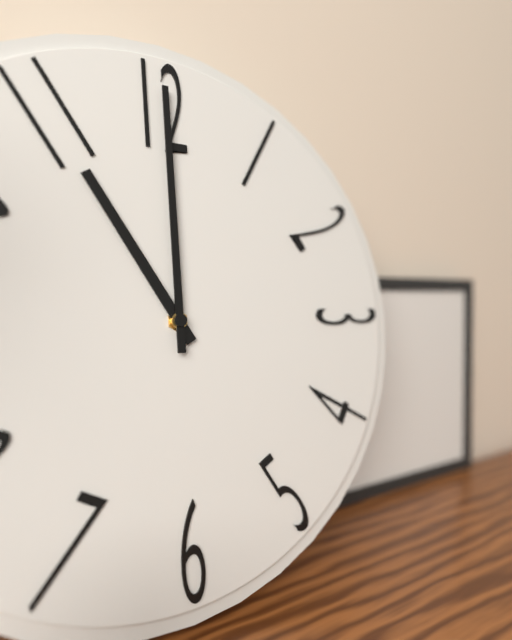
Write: {"hour": 11, "minute": 0}
